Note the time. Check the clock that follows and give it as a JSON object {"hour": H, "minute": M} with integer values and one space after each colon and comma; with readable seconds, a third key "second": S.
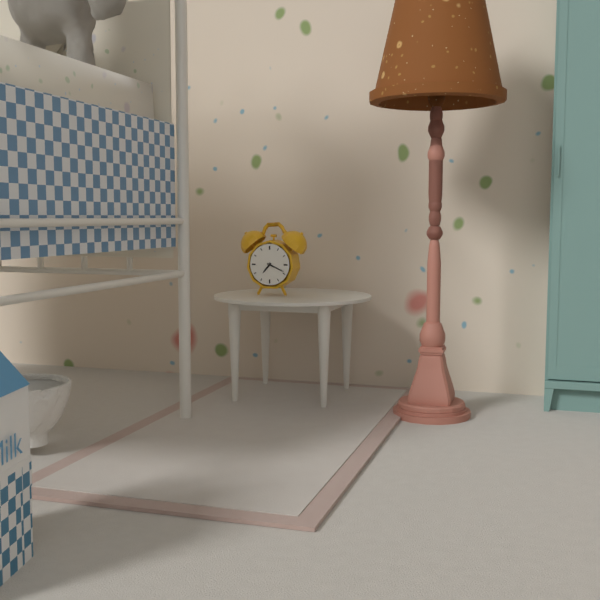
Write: {"hour": 7, "minute": 19}
